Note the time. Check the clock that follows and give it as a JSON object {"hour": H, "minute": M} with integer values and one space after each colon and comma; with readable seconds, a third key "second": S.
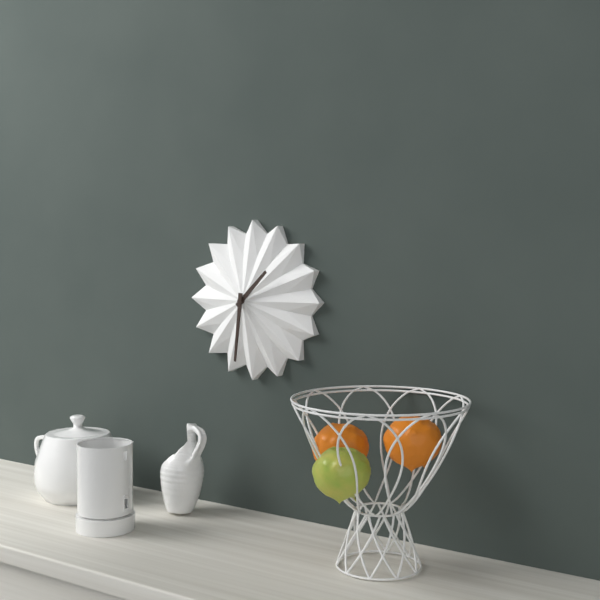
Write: {"hour": 1, "minute": 31}
